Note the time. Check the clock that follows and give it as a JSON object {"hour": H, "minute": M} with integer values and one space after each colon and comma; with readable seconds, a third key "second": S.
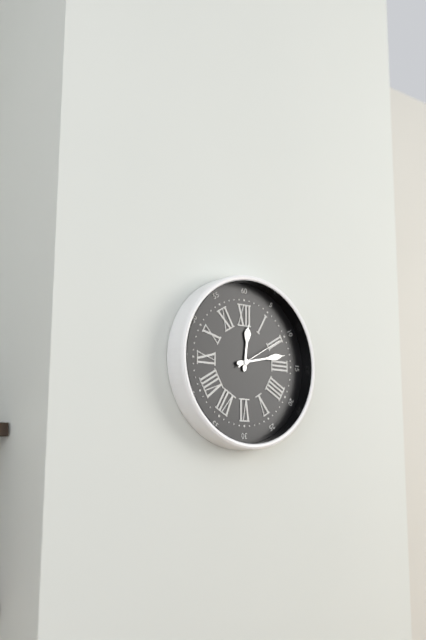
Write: {"hour": 12, "minute": 13, "second": 10}
